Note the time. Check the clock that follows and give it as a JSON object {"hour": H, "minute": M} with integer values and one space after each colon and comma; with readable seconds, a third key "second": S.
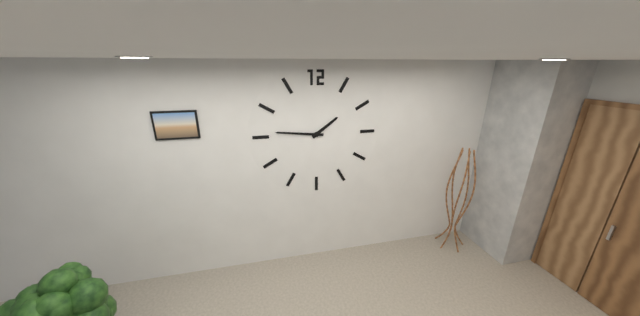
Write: {"hour": 1, "minute": 46}
